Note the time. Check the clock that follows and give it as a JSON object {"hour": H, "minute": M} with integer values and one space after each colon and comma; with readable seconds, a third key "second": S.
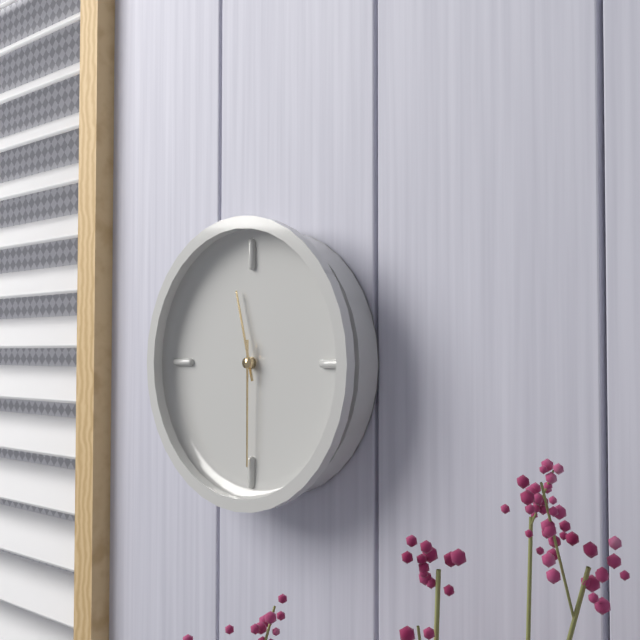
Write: {"hour": 11, "minute": 30}
